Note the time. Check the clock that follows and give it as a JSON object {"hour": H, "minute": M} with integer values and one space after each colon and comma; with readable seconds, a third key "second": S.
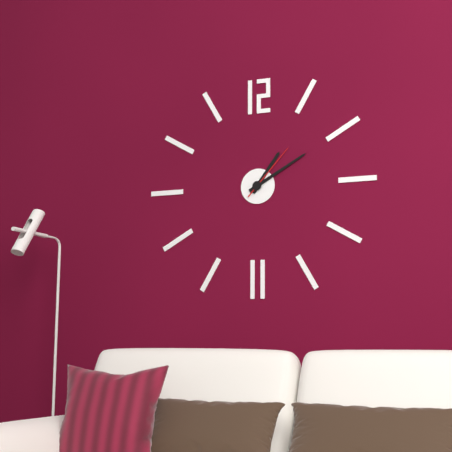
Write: {"hour": 1, "minute": 10, "second": 7}
